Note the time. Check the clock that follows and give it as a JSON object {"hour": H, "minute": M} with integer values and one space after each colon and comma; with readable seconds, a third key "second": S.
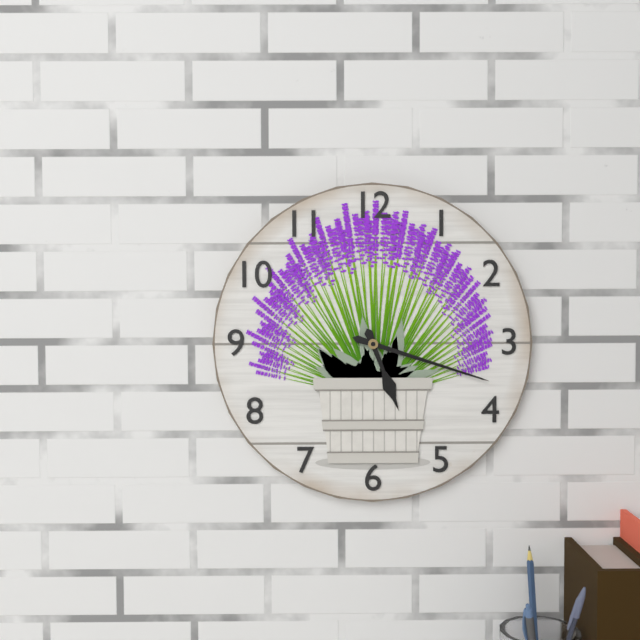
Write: {"hour": 5, "minute": 18}
